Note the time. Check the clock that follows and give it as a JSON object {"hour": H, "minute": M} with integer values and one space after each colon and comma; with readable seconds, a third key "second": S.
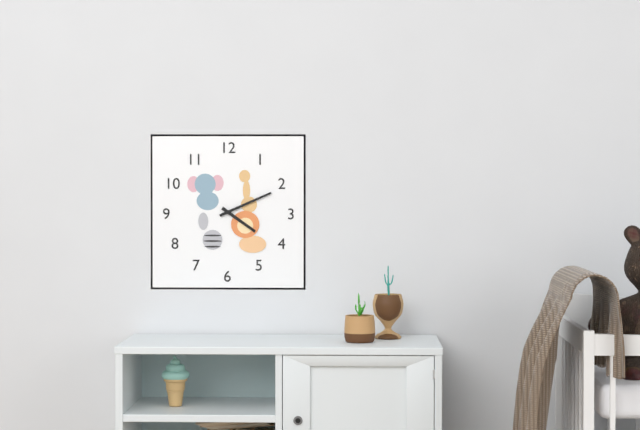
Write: {"hour": 4, "minute": 11}
